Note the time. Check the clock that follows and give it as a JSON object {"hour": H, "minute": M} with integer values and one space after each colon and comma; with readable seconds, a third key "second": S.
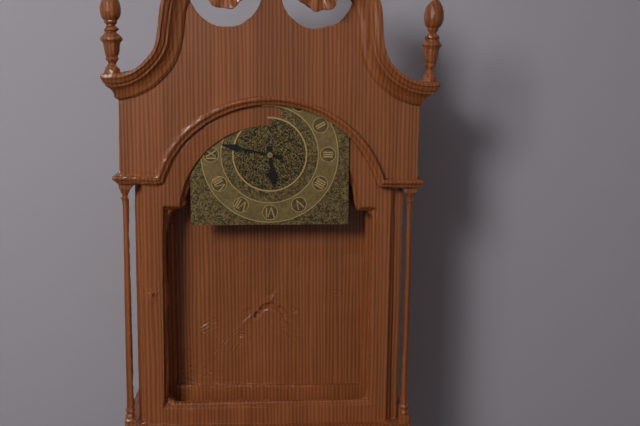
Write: {"hour": 5, "minute": 47}
